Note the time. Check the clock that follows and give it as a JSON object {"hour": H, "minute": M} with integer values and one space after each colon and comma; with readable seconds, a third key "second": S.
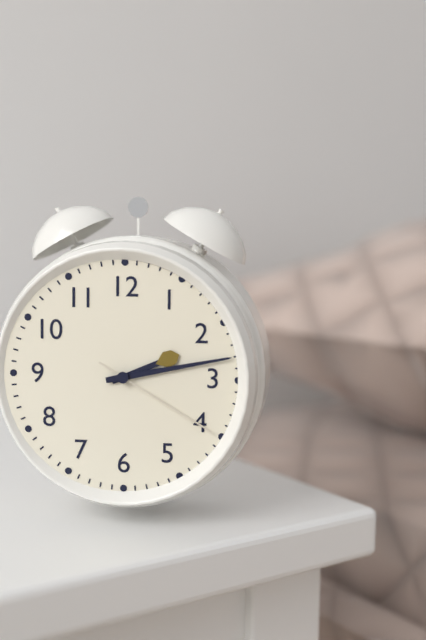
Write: {"hour": 2, "minute": 13, "second": 20}
